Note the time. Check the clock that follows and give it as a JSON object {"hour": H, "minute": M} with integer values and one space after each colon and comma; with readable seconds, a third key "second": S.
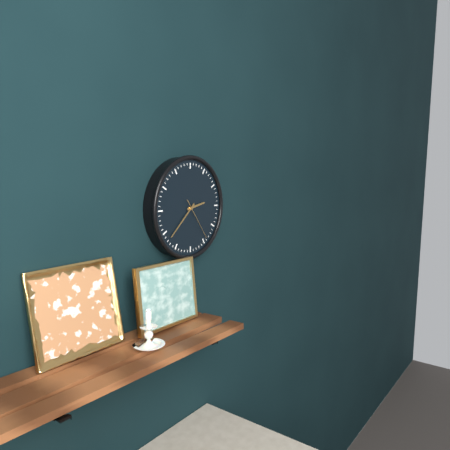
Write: {"hour": 2, "minute": 38, "second": 24}
